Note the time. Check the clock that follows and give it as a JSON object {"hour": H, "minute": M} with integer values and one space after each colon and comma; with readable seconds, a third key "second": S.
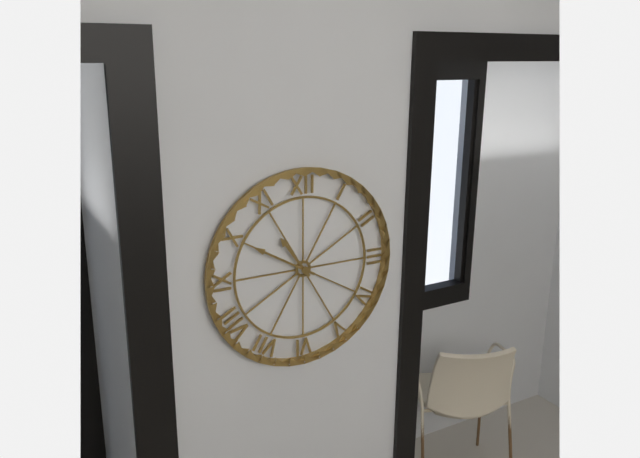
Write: {"hour": 10, "minute": 50}
